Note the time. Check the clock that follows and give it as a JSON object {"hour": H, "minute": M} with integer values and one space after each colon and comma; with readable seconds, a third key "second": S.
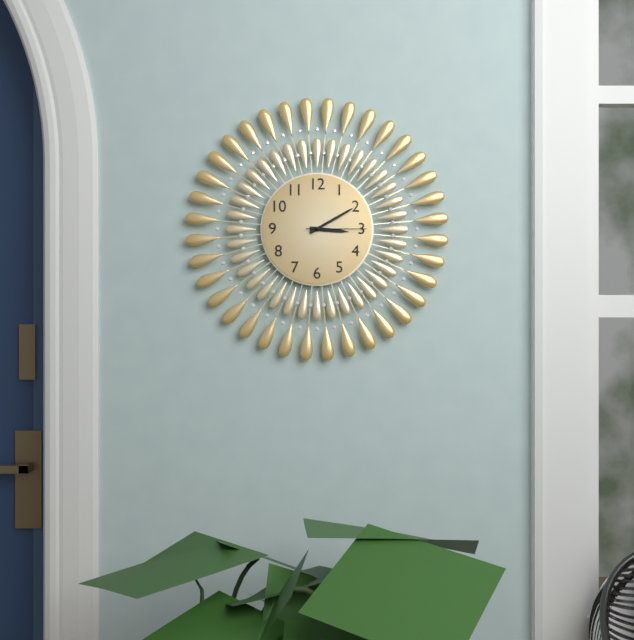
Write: {"hour": 3, "minute": 10, "second": 15}
